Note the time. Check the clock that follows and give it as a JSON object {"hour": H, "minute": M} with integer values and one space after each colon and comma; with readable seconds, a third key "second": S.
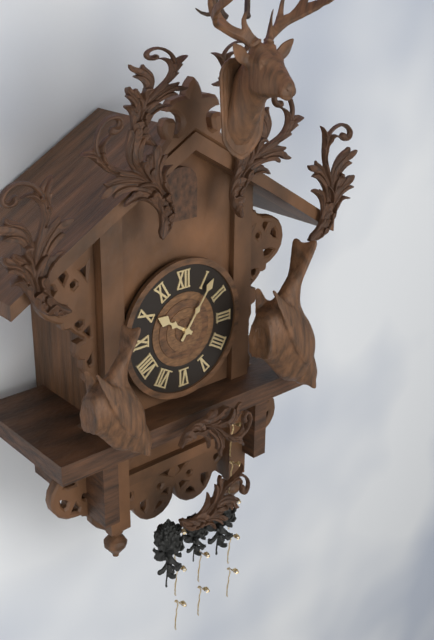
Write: {"hour": 10, "minute": 6}
